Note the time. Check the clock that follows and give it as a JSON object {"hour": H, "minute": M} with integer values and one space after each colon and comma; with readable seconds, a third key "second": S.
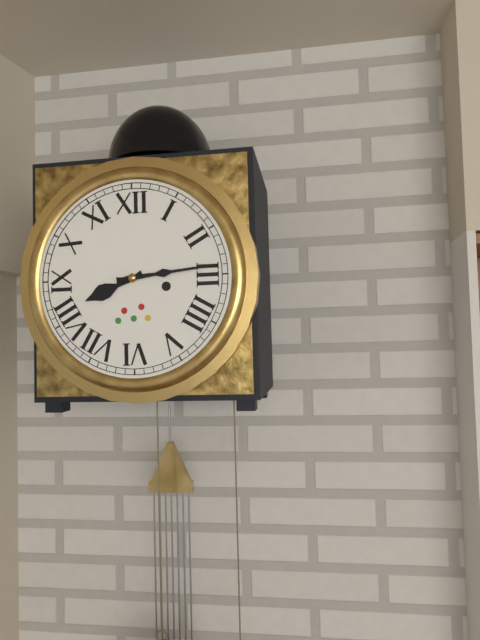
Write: {"hour": 8, "minute": 14}
